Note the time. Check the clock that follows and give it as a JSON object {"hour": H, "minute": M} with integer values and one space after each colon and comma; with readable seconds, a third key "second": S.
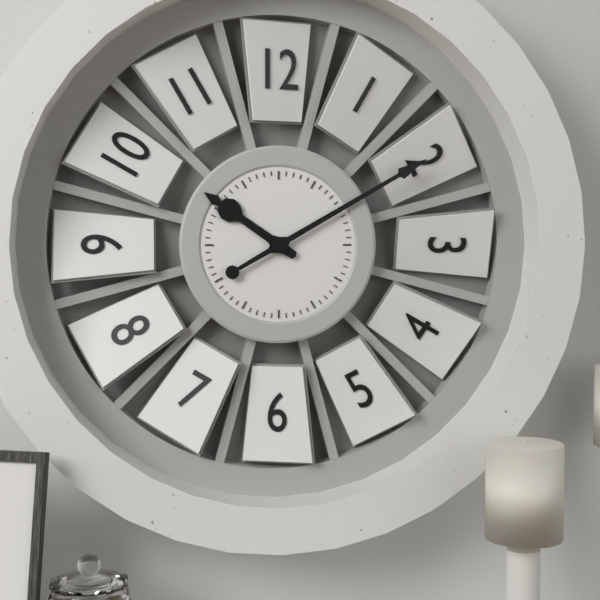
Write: {"hour": 10, "minute": 10}
